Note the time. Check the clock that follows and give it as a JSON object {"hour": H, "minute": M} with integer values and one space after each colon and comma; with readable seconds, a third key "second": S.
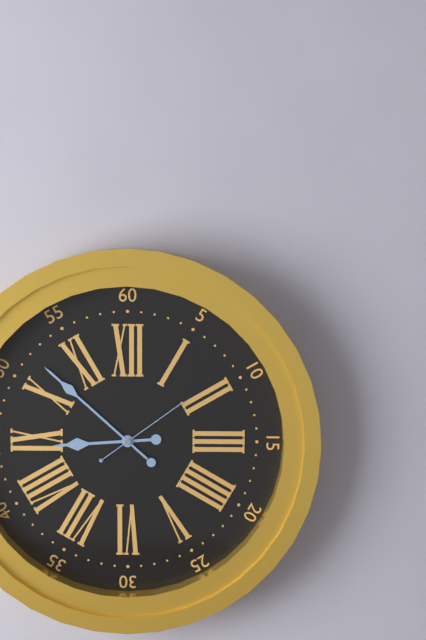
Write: {"hour": 8, "minute": 52, "second": 9}
